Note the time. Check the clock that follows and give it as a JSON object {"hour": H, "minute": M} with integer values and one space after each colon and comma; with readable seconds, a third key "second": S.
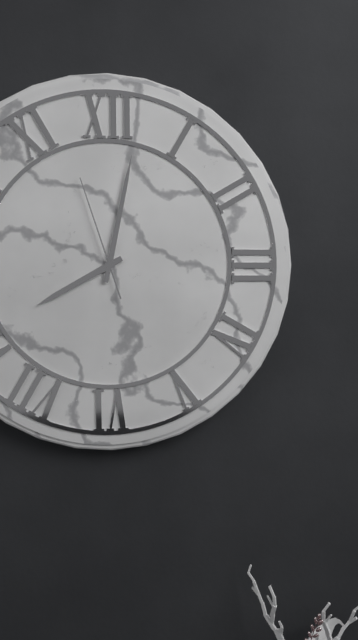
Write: {"hour": 8, "minute": 2, "second": 57}
